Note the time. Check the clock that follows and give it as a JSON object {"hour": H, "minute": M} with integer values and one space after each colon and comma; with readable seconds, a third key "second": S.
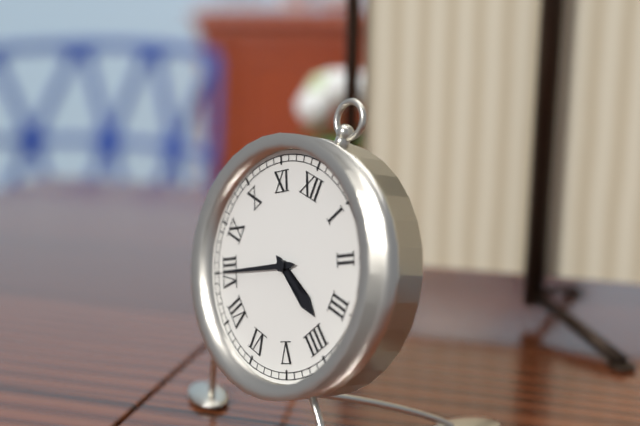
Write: {"hour": 3, "minute": 40}
